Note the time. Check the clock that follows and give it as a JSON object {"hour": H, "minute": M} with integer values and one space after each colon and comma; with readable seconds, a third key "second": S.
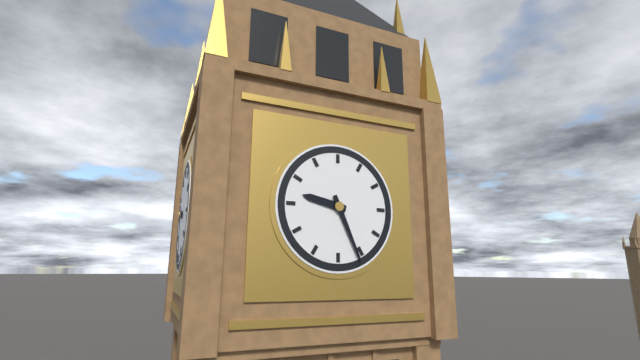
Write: {"hour": 9, "minute": 26}
